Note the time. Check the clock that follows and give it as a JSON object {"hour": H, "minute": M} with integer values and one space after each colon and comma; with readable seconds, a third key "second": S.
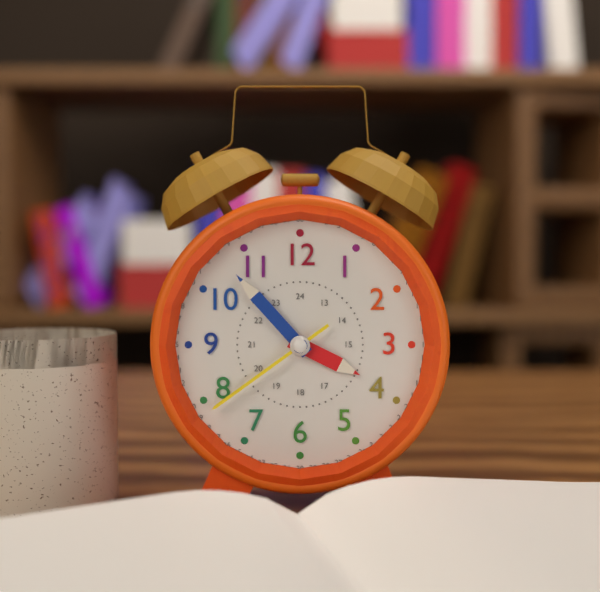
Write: {"hour": 3, "minute": 53, "second": 39}
